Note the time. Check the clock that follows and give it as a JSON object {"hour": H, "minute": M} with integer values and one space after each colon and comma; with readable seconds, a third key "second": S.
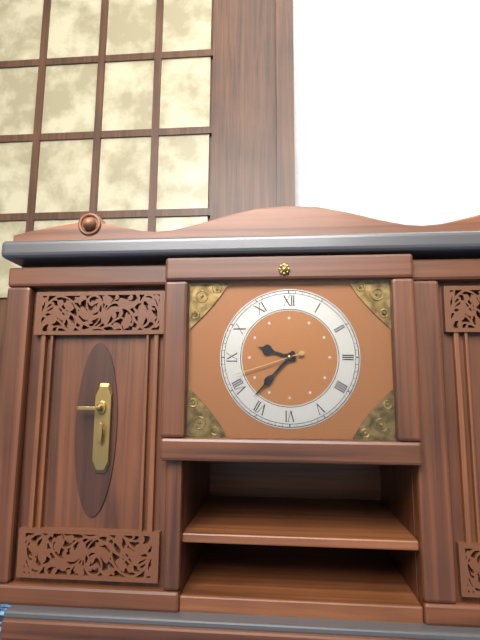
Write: {"hour": 9, "minute": 37, "second": 42}
